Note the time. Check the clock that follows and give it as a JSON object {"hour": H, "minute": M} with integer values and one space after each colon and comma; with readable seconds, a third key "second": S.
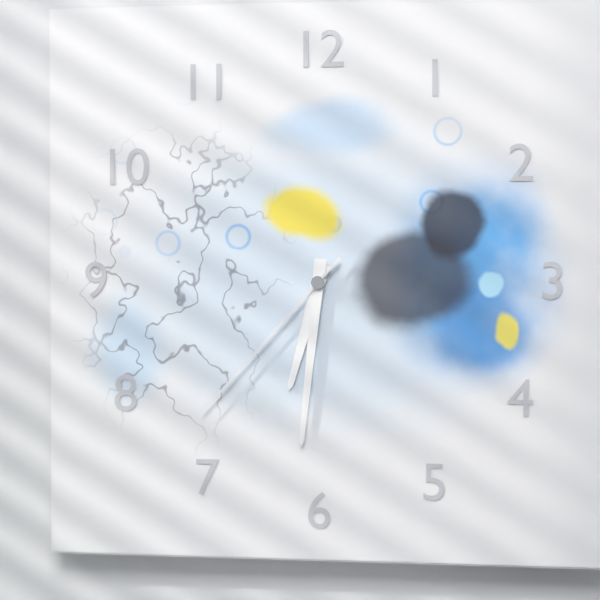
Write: {"hour": 6, "minute": 31, "second": 37}
